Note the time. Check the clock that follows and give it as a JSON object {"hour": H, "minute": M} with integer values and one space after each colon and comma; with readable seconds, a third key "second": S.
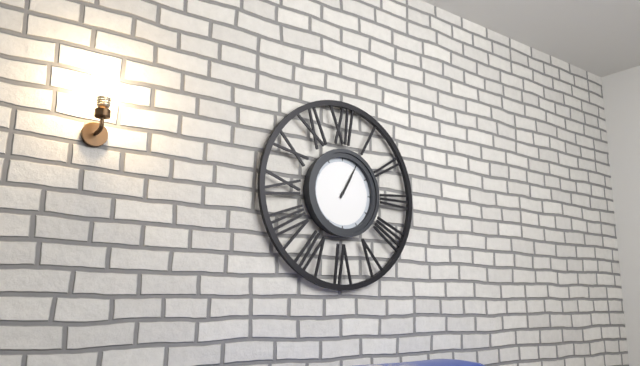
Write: {"hour": 1, "minute": 5}
